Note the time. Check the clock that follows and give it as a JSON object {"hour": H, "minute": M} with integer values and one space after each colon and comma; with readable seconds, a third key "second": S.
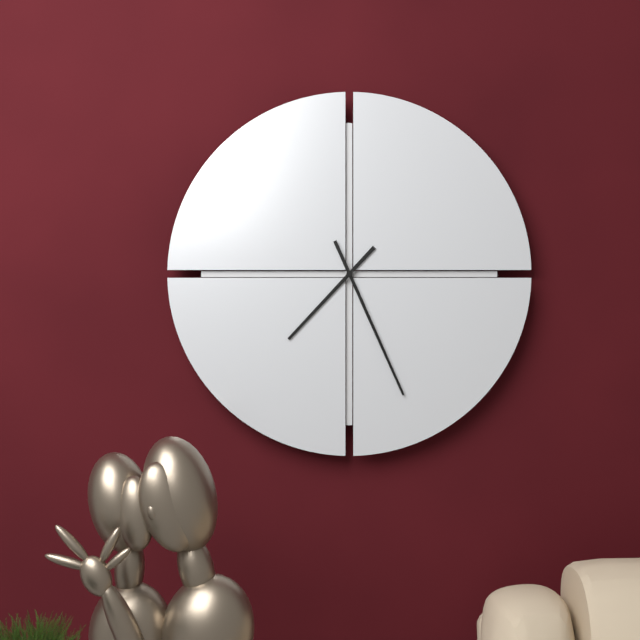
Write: {"hour": 7, "minute": 26}
